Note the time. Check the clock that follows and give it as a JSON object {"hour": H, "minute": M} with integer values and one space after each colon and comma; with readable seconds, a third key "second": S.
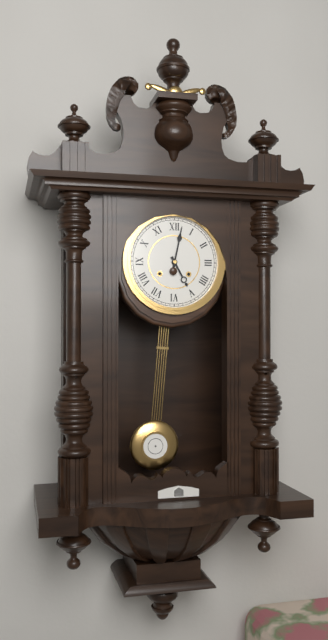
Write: {"hour": 5, "minute": 2}
